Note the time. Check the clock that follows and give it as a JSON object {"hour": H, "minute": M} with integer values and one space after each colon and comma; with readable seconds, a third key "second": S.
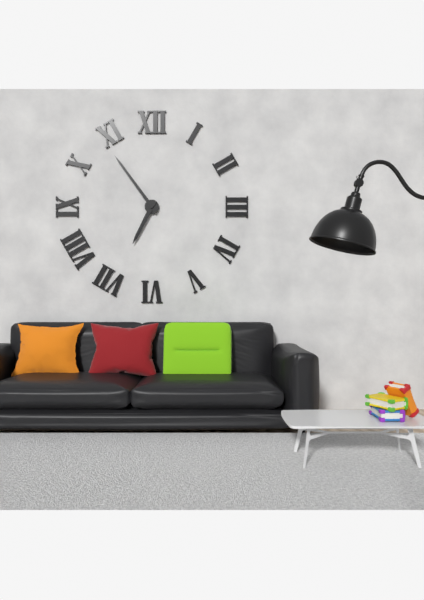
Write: {"hour": 6, "minute": 54}
